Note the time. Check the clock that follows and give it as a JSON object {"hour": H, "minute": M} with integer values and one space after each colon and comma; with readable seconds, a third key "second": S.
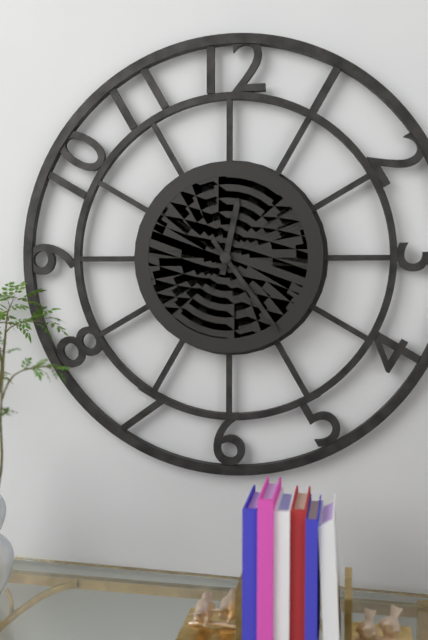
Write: {"hour": 12, "minute": 24}
